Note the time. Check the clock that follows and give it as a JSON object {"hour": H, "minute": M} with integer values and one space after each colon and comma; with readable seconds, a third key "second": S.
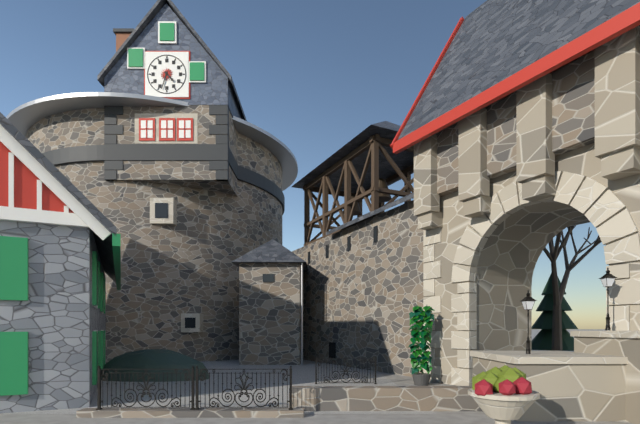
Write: {"hour": 4, "minute": 33}
